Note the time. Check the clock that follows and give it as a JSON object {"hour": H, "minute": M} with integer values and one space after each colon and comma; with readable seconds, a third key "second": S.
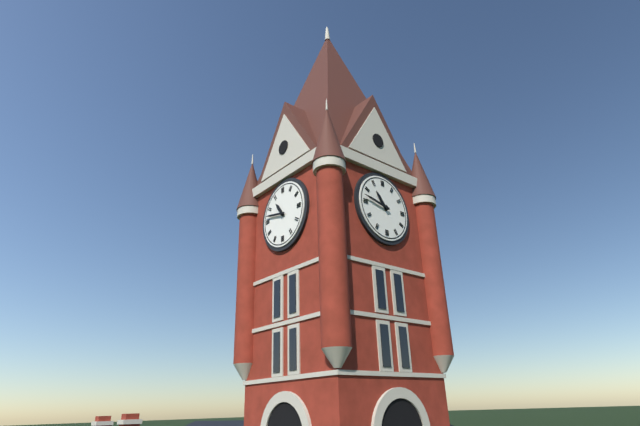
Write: {"hour": 10, "minute": 47}
